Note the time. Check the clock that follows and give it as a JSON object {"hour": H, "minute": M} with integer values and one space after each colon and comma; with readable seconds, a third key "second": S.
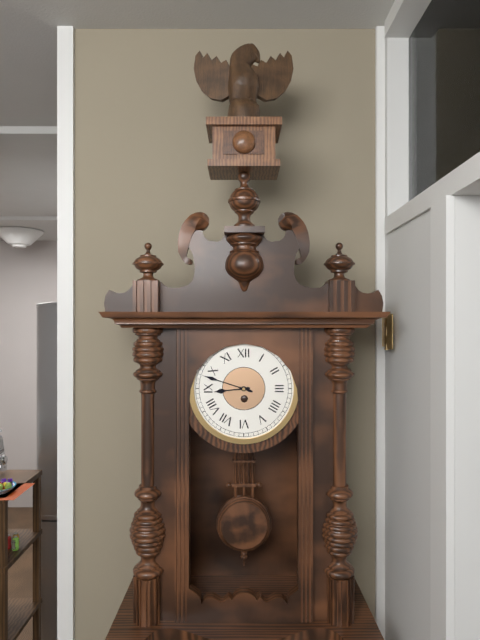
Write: {"hour": 8, "minute": 48}
